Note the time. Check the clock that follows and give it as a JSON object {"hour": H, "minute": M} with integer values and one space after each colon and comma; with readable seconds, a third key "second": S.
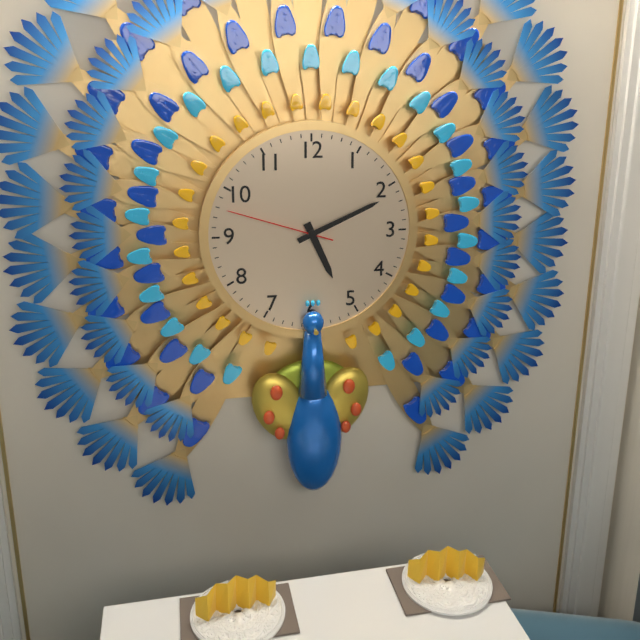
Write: {"hour": 5, "minute": 11, "second": 48}
